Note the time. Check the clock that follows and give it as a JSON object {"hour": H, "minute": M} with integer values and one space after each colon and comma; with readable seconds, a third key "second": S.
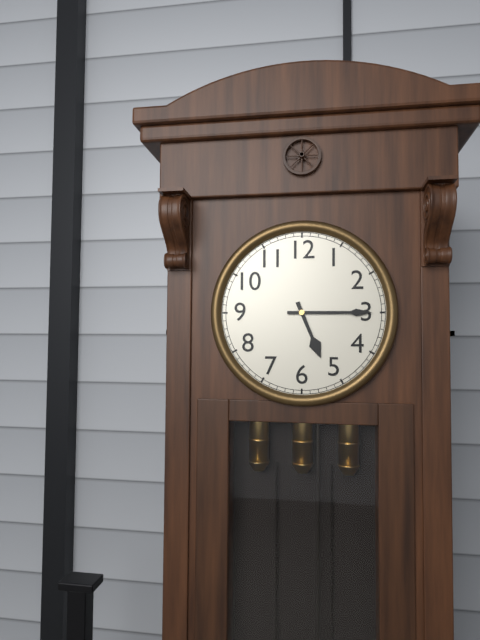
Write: {"hour": 5, "minute": 15}
